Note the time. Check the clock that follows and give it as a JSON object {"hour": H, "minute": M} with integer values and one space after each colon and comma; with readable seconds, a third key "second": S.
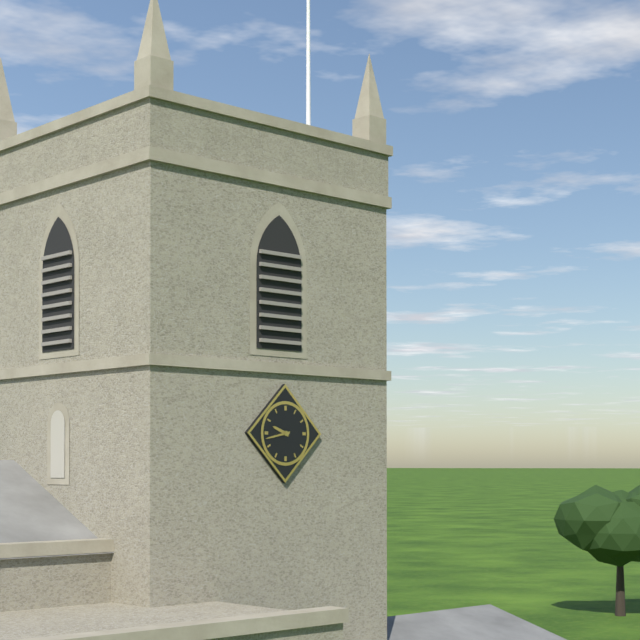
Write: {"hour": 9, "minute": 43}
